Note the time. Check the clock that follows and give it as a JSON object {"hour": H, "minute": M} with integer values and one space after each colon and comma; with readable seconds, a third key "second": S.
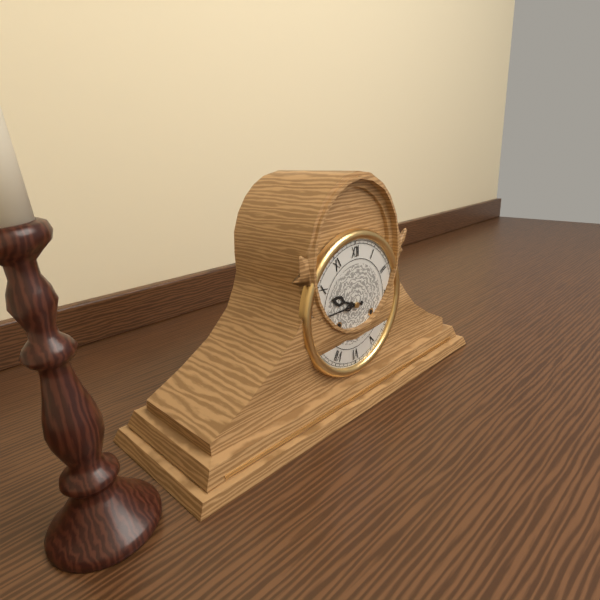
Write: {"hour": 9, "minute": 45}
